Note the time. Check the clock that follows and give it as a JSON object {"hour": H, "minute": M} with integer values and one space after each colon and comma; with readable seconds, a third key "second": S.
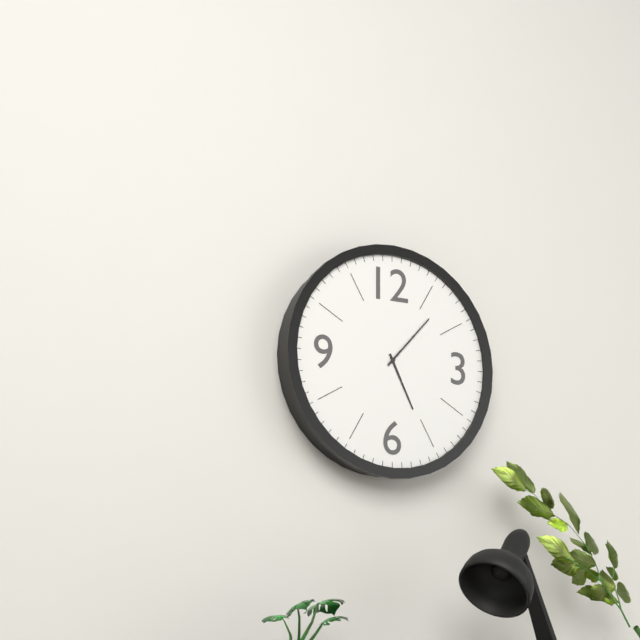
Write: {"hour": 5, "minute": 7}
